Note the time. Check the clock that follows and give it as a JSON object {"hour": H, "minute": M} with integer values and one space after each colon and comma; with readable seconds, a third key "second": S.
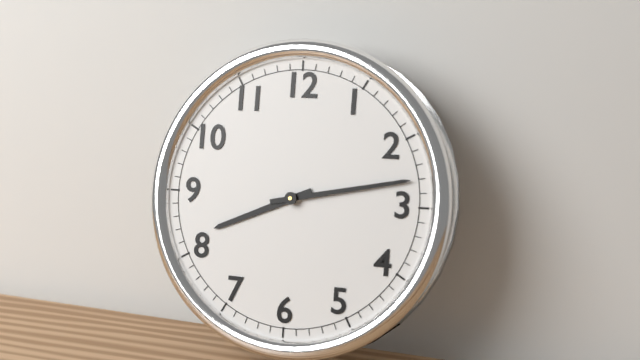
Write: {"hour": 8, "minute": 13}
